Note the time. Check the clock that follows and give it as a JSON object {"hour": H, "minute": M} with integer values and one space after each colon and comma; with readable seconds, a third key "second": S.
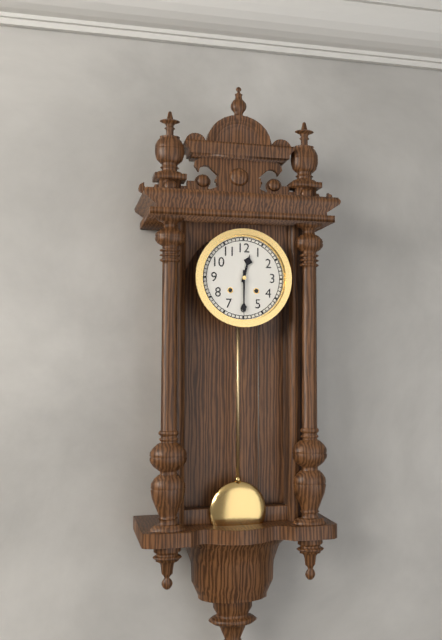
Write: {"hour": 12, "minute": 30}
